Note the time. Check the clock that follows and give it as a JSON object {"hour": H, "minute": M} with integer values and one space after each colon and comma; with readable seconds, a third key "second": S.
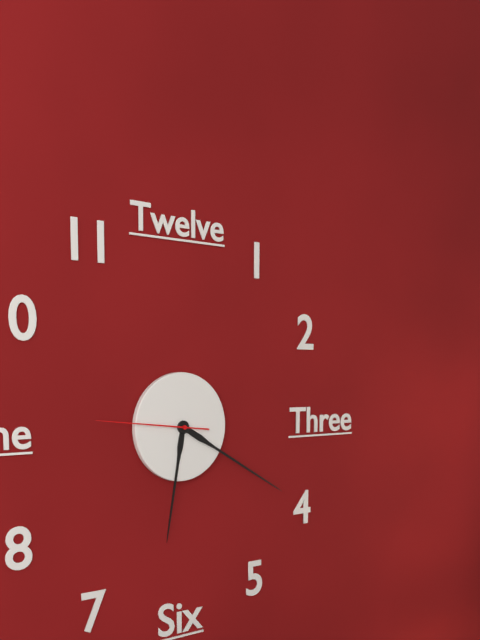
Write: {"hour": 6, "minute": 20, "second": 46}
